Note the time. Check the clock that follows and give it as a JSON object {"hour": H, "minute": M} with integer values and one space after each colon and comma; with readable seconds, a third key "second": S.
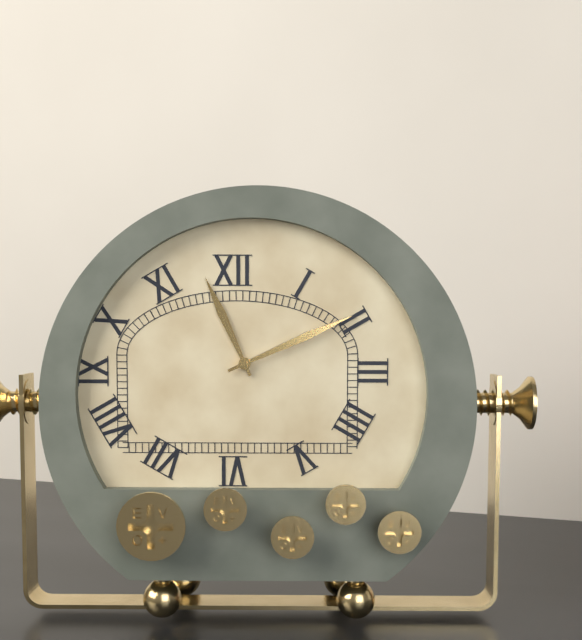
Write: {"hour": 11, "minute": 11}
